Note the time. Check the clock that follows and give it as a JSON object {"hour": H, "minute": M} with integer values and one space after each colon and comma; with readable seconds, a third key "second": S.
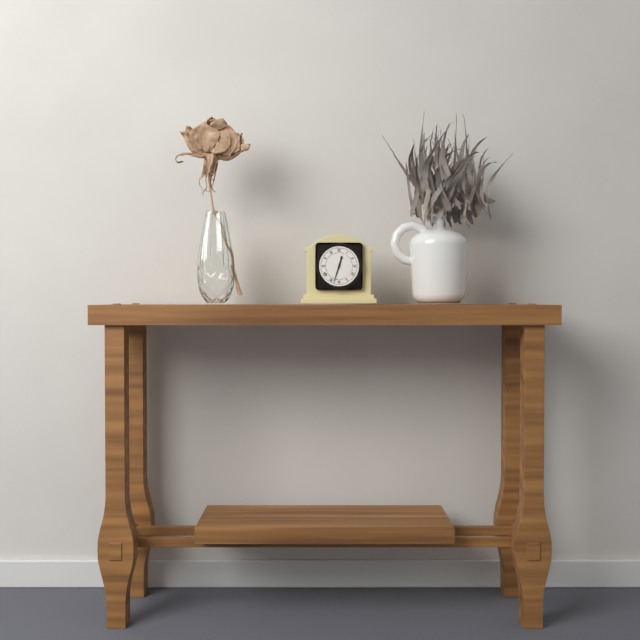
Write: {"hour": 12, "minute": 33}
